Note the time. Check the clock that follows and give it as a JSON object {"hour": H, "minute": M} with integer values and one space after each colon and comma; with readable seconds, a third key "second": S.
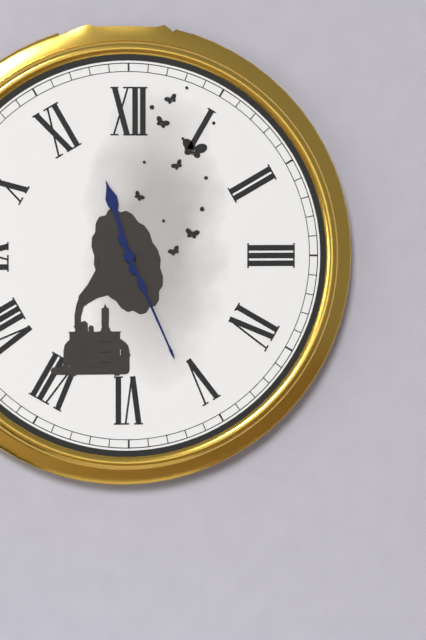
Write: {"hour": 11, "minute": 26}
